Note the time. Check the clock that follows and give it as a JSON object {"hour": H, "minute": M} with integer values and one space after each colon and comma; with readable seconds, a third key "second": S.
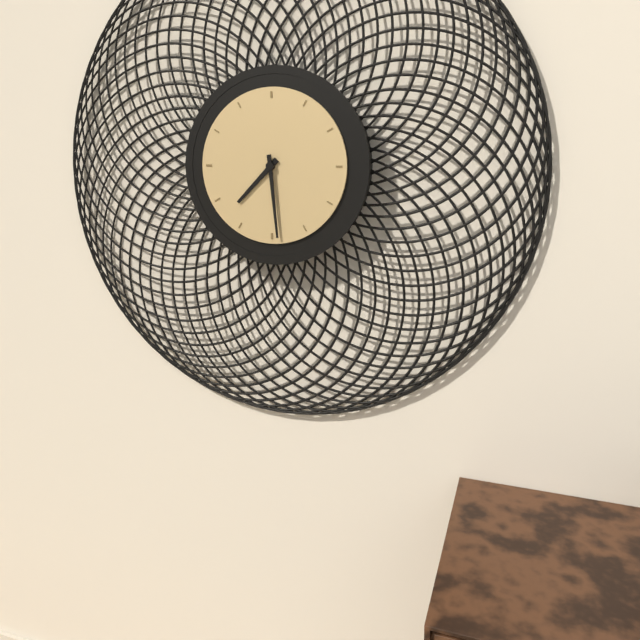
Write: {"hour": 7, "minute": 29}
